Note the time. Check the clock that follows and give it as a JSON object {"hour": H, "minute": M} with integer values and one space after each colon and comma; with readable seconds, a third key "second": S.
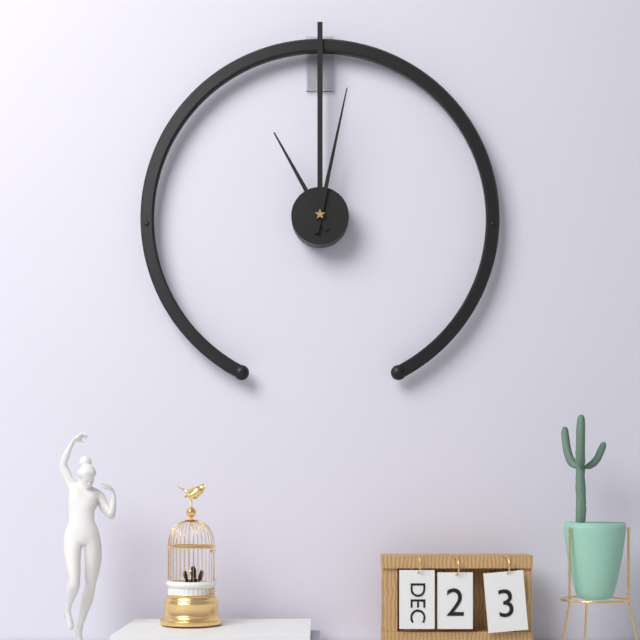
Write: {"hour": 11, "minute": 2}
